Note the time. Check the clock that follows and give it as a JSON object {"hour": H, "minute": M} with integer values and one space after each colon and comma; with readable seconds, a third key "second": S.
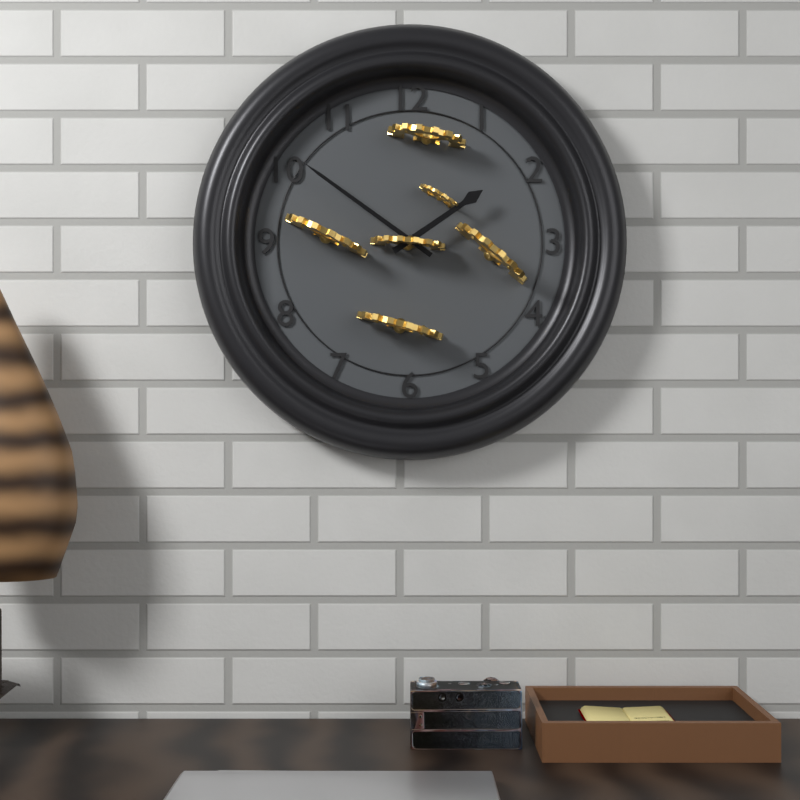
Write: {"hour": 1, "minute": 51}
